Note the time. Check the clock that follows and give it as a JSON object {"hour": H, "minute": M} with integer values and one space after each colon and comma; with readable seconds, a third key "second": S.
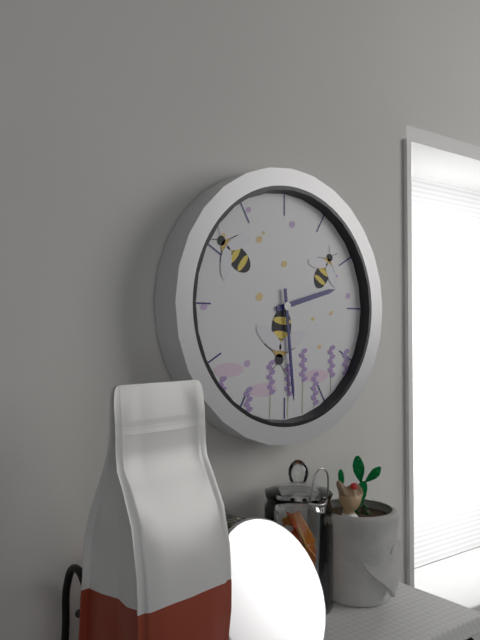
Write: {"hour": 2, "minute": 29}
